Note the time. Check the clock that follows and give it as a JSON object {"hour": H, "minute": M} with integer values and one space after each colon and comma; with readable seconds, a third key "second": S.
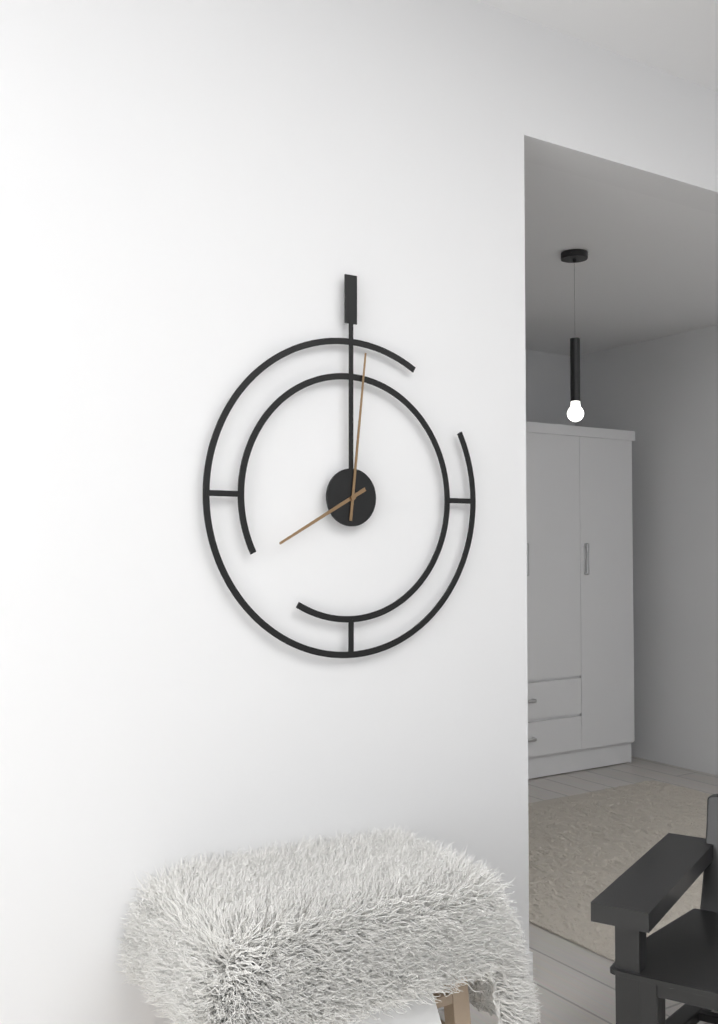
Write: {"hour": 8, "minute": 1}
